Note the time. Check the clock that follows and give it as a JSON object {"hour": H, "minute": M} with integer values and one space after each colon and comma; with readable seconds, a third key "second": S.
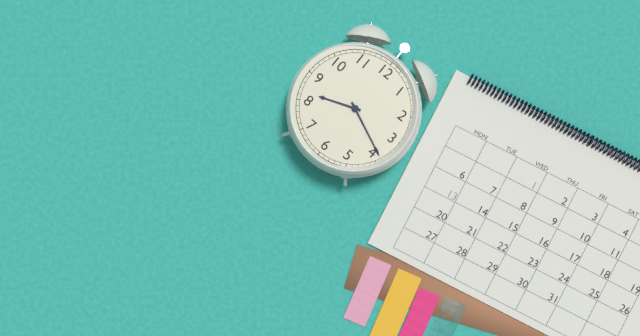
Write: {"hour": 8, "minute": 19}
